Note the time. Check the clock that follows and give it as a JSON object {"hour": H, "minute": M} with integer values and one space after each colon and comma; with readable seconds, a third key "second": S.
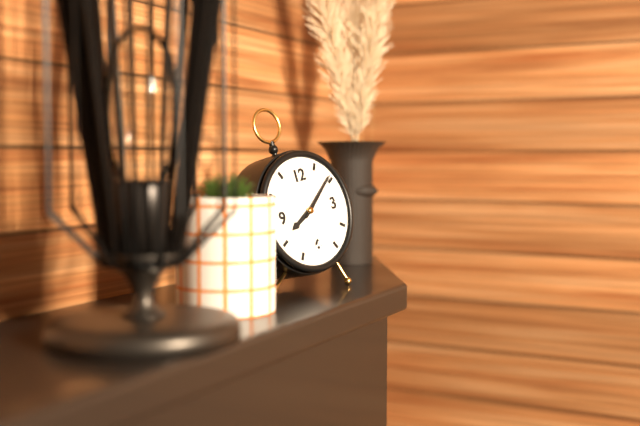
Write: {"hour": 8, "minute": 9}
